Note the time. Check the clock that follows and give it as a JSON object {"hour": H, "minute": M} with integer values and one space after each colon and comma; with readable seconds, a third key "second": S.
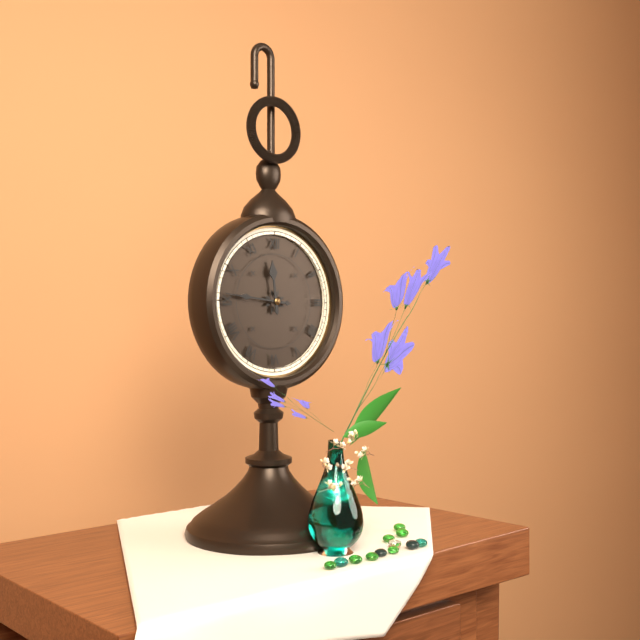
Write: {"hour": 11, "minute": 46}
